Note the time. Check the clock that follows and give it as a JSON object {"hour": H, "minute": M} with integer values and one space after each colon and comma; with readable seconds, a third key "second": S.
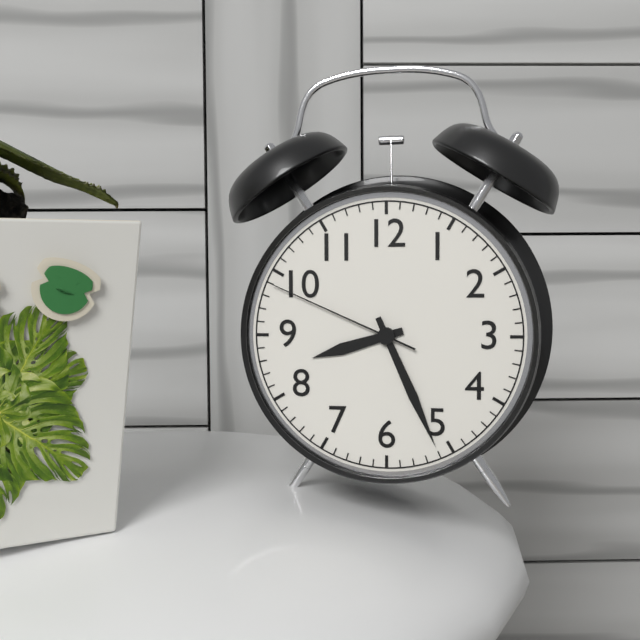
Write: {"hour": 8, "minute": 26, "second": 49}
